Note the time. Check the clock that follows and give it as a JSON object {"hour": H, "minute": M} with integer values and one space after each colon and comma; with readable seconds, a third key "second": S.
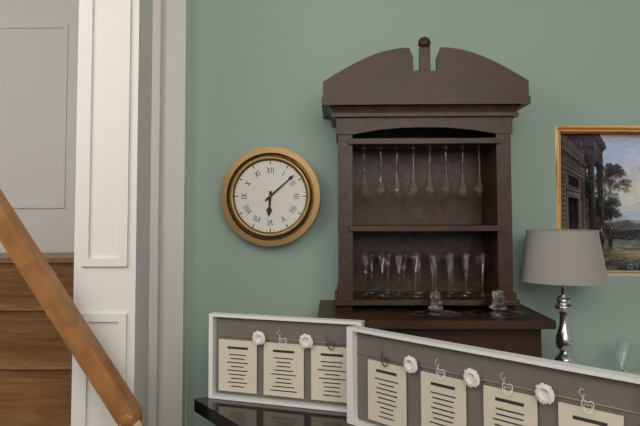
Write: {"hour": 6, "minute": 8}
